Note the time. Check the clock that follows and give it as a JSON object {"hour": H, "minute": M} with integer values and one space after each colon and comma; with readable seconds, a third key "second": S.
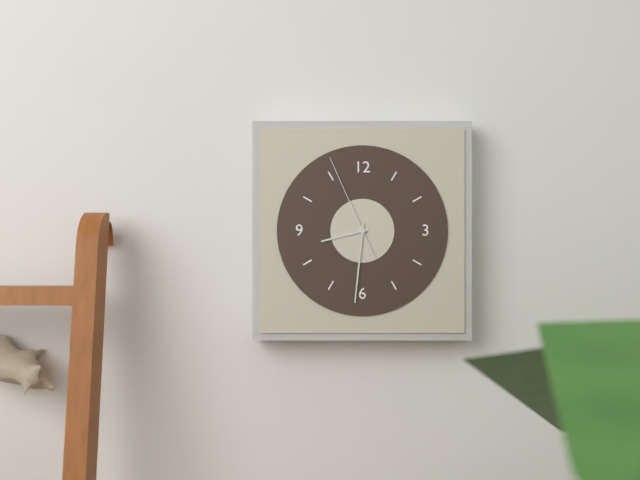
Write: {"hour": 8, "minute": 31, "second": 56}
